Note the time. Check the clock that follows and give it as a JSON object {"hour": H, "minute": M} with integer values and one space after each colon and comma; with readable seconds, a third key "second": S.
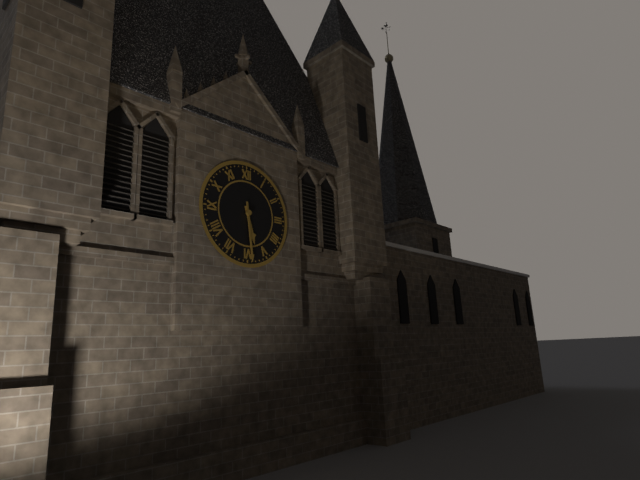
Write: {"hour": 5, "minute": 29}
